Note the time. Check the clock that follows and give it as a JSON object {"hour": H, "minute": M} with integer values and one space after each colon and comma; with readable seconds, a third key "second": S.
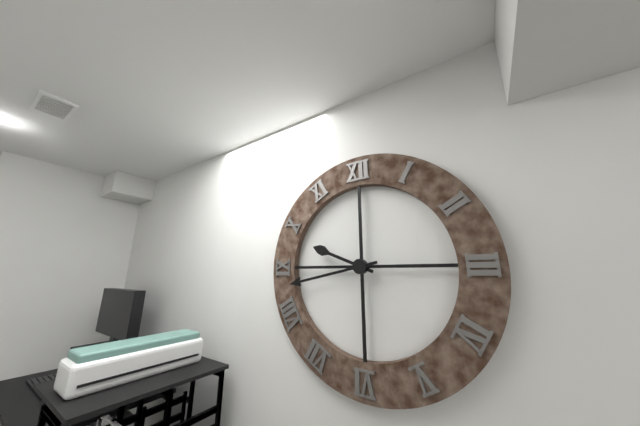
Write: {"hour": 9, "minute": 43}
